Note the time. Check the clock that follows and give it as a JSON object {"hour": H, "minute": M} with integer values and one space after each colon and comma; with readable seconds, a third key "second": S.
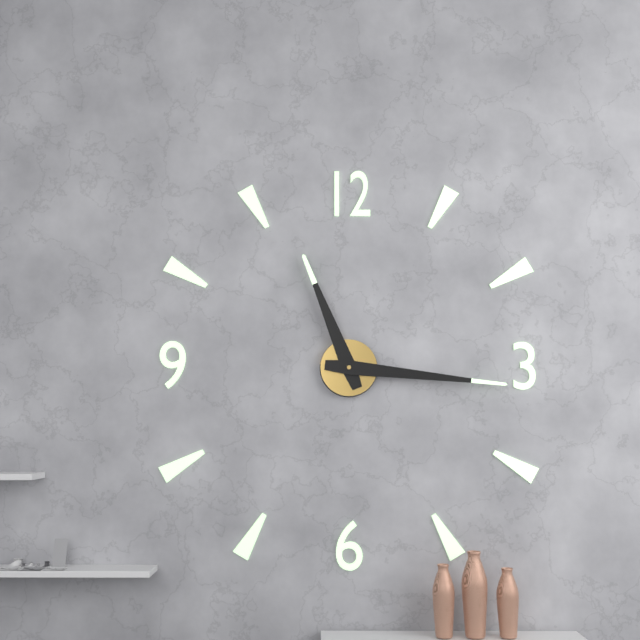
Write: {"hour": 11, "minute": 16}
